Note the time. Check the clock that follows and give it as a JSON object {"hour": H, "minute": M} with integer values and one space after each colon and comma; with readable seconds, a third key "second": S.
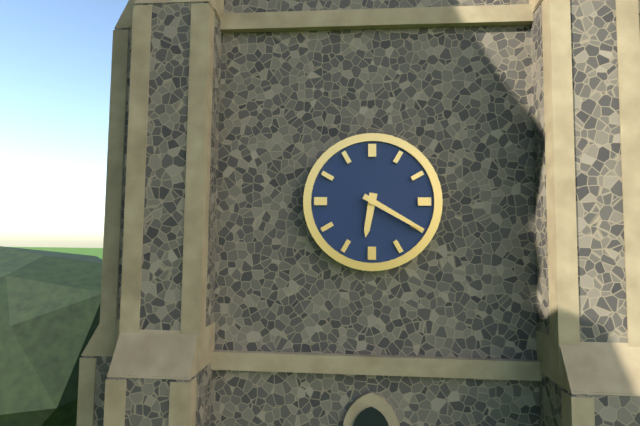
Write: {"hour": 6, "minute": 20}
